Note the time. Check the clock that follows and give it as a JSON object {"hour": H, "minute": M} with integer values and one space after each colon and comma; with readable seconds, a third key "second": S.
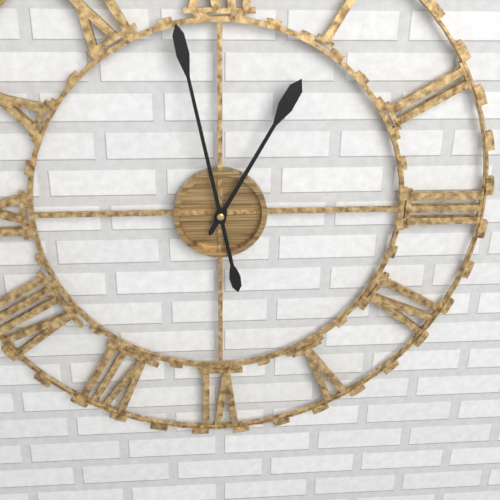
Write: {"hour": 12, "minute": 58}
